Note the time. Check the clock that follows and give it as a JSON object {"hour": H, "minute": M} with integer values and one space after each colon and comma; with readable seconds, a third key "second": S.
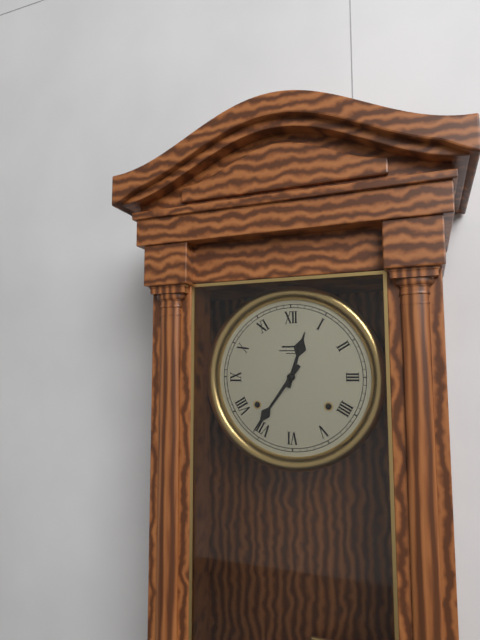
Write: {"hour": 12, "minute": 36}
